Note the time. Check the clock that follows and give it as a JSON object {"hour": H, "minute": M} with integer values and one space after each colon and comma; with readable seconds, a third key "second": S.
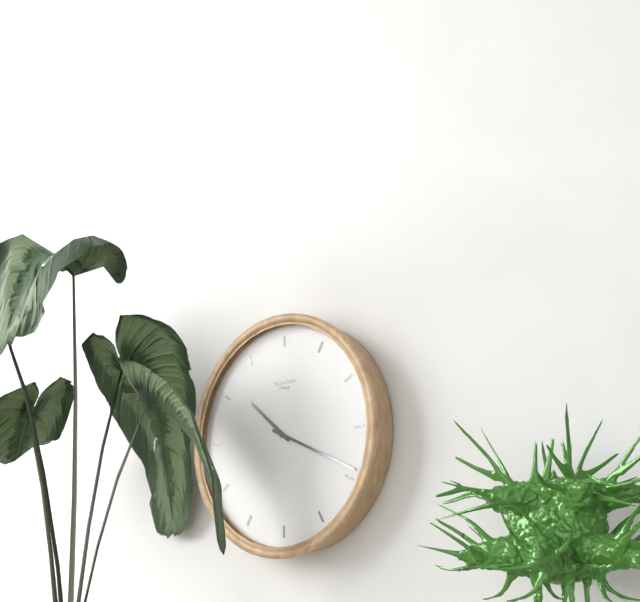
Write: {"hour": 10, "minute": 19}
